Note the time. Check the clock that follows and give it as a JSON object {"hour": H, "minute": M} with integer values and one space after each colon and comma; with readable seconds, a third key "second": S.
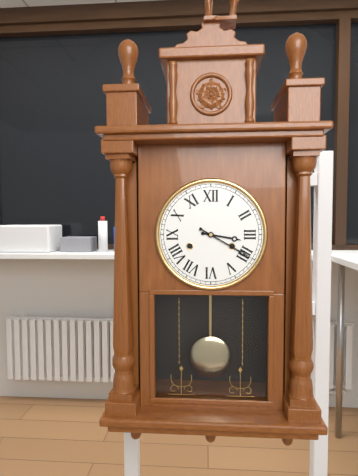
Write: {"hour": 3, "minute": 20}
